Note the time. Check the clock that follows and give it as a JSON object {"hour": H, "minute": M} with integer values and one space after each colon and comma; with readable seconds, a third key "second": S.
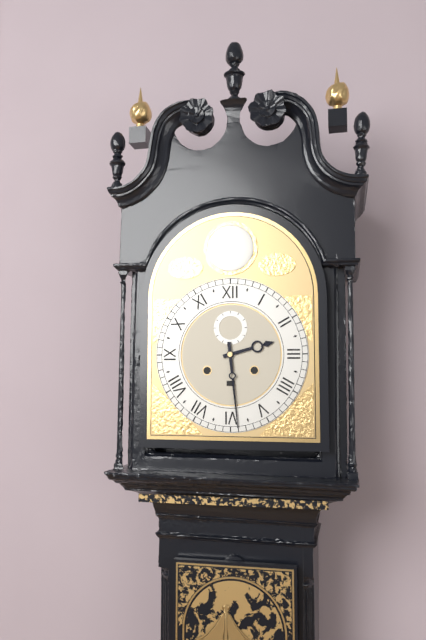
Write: {"hour": 2, "minute": 29}
